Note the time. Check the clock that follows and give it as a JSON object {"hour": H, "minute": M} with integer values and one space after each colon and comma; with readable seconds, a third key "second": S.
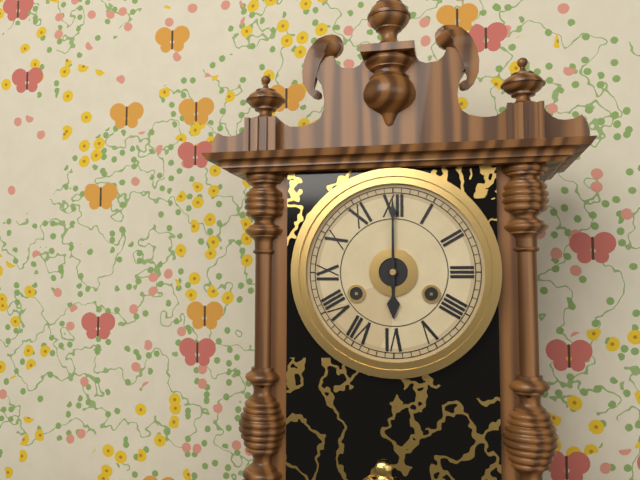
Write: {"hour": 6, "minute": 0}
